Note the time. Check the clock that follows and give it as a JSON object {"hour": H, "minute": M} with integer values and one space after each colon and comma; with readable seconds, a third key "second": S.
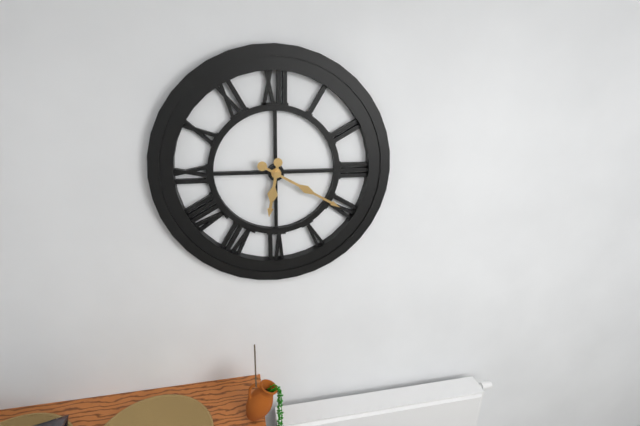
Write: {"hour": 6, "minute": 20}
